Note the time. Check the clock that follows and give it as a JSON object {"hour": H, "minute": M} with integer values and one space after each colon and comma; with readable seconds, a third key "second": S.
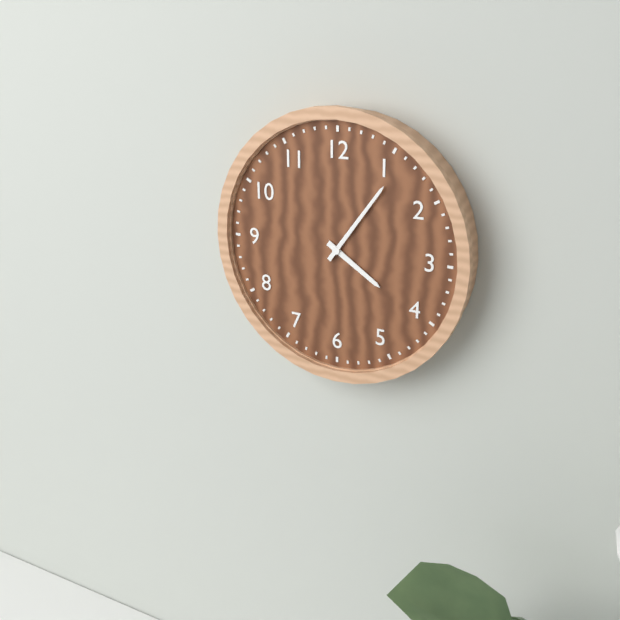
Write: {"hour": 4, "minute": 6}
